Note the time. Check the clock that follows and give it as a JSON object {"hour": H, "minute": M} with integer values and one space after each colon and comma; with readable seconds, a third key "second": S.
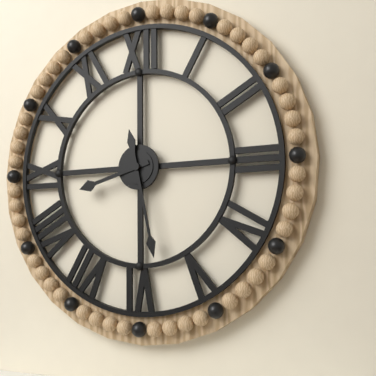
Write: {"hour": 8, "minute": 28}
